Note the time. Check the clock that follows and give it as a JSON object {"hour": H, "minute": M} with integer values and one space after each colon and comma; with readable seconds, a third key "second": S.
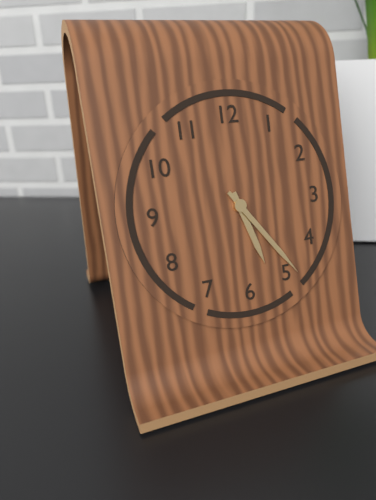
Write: {"hour": 5, "minute": 24}
